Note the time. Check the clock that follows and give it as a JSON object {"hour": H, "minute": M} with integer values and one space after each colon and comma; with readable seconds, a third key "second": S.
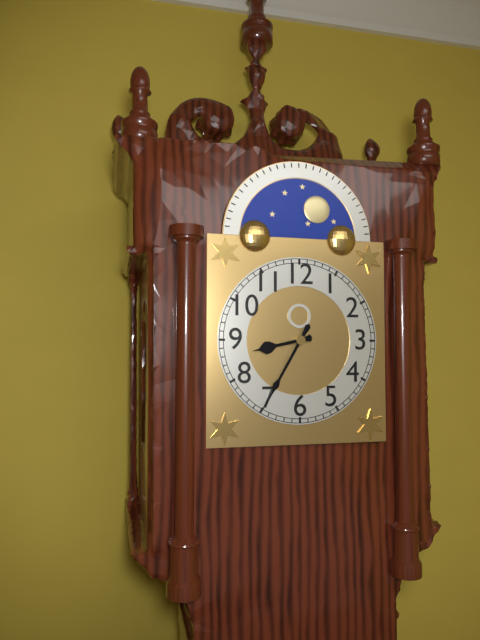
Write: {"hour": 8, "minute": 35}
